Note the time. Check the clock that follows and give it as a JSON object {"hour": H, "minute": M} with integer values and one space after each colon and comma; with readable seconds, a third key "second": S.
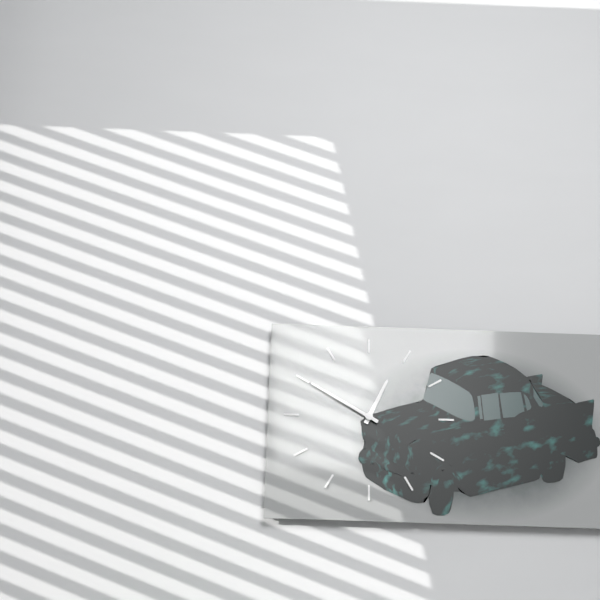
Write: {"hour": 12, "minute": 50}
